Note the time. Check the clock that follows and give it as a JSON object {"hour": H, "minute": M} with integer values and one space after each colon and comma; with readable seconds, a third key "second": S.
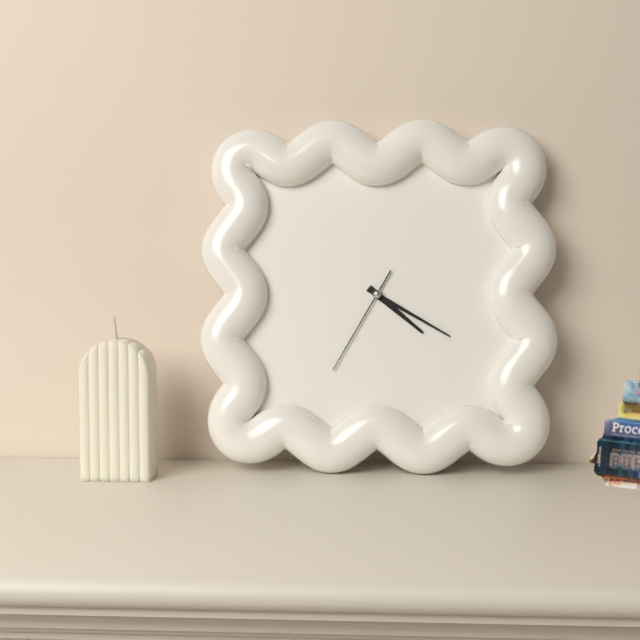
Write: {"hour": 4, "minute": 20, "second": 35}
